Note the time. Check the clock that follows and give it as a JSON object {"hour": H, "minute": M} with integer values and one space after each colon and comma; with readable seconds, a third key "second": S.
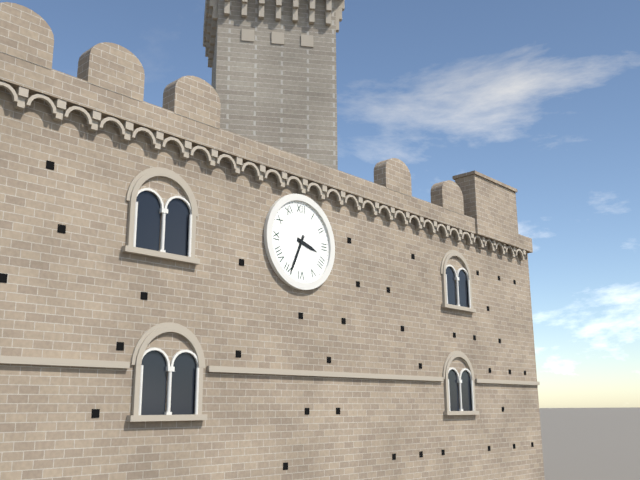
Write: {"hour": 3, "minute": 34}
